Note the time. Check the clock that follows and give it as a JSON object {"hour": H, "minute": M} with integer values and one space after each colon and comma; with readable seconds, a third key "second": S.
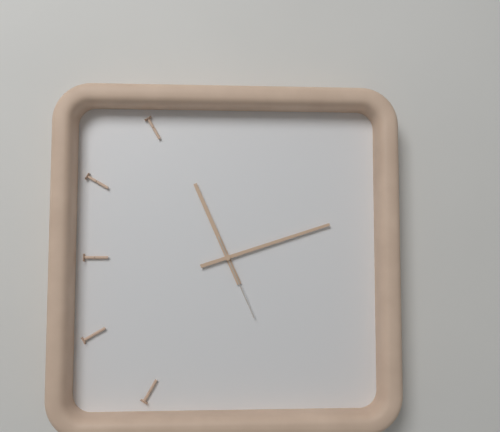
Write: {"hour": 11, "minute": 12, "second": 26}
